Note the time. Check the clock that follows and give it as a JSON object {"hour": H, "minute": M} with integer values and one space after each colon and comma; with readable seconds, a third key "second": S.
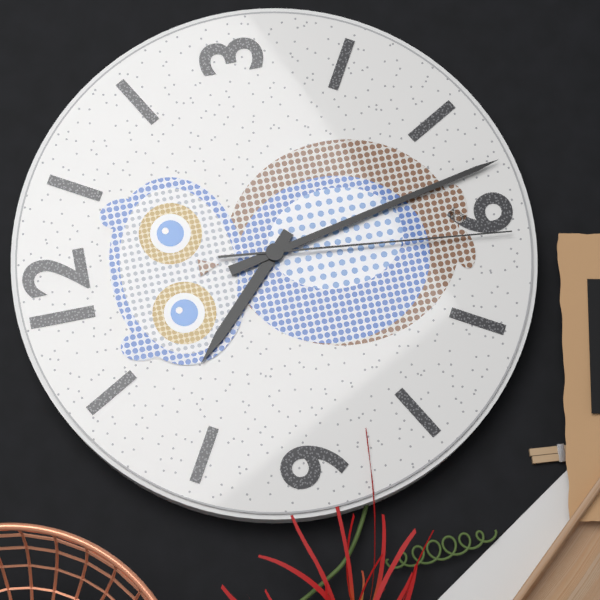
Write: {"hour": 10, "minute": 28, "second": 31}
